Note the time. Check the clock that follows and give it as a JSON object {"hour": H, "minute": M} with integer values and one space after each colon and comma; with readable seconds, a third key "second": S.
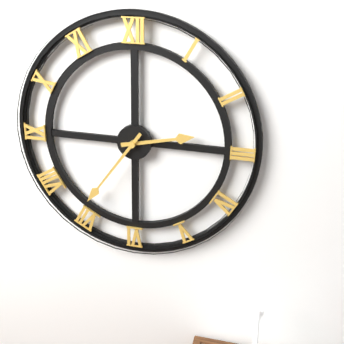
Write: {"hour": 2, "minute": 36}
